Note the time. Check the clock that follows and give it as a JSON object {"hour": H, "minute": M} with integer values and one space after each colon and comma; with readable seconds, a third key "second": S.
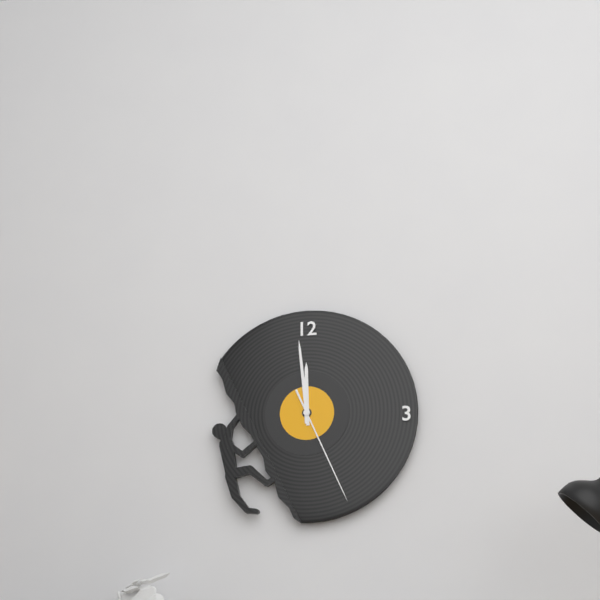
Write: {"hour": 11, "minute": 59, "second": 26}
